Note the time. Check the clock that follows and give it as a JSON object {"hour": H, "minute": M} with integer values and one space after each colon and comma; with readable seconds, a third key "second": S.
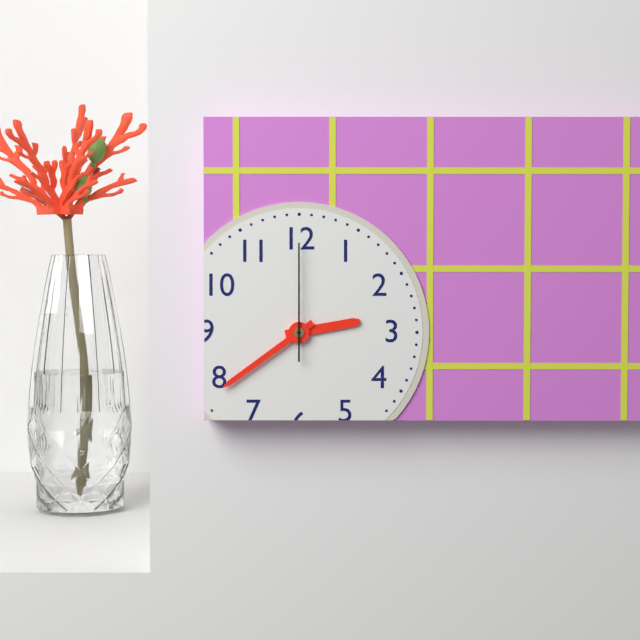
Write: {"hour": 2, "minute": 39, "second": 0}
